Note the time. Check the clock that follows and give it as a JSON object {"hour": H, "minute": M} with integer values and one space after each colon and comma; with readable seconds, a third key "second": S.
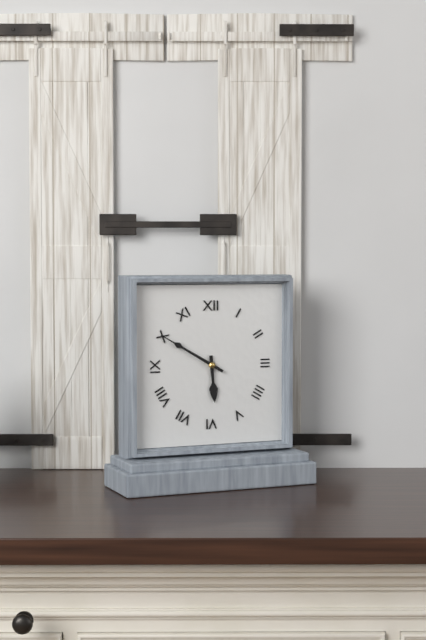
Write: {"hour": 5, "minute": 50}
